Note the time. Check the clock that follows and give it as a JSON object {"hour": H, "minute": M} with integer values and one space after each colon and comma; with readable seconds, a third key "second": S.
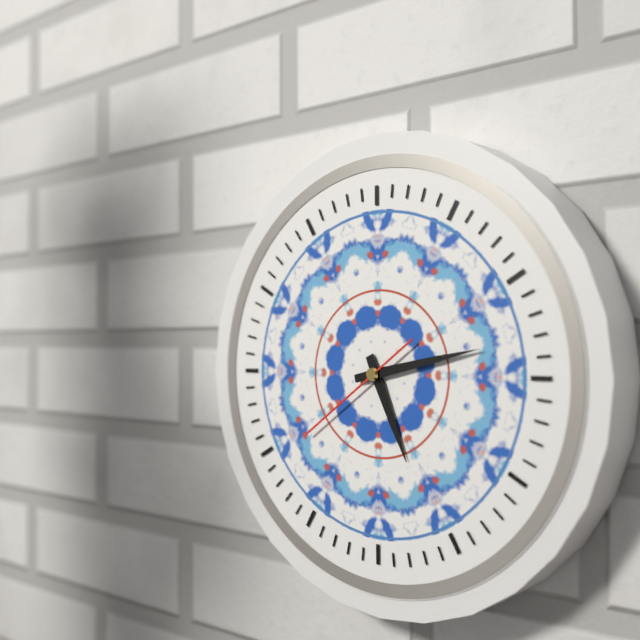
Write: {"hour": 5, "minute": 13, "second": 39}
